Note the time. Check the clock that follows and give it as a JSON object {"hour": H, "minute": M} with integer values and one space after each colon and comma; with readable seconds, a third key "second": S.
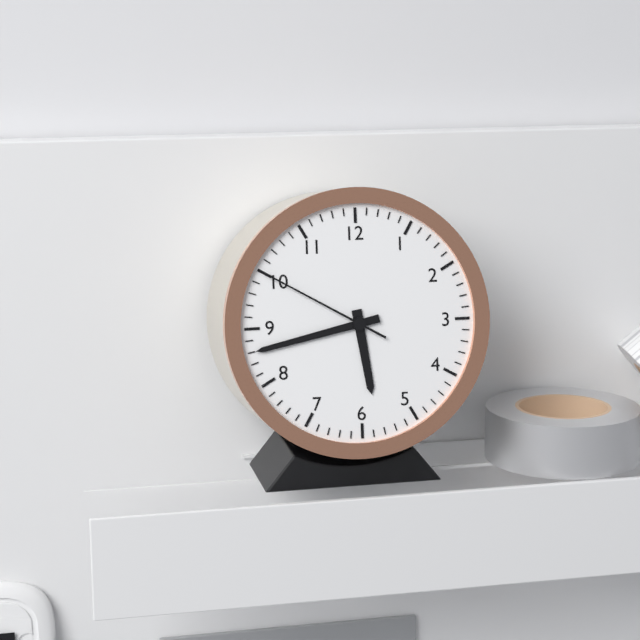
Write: {"hour": 5, "minute": 43, "second": 50}
